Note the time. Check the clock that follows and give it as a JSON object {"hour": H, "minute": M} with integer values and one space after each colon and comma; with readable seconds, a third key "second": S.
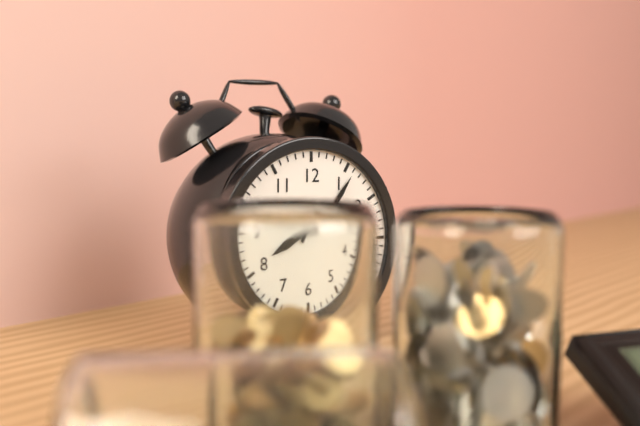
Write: {"hour": 8, "minute": 6}
